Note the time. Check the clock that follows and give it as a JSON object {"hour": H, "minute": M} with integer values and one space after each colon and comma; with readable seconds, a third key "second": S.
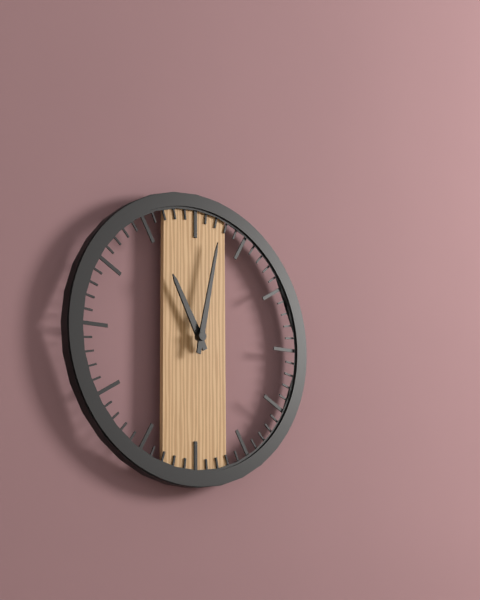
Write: {"hour": 11, "minute": 2}
